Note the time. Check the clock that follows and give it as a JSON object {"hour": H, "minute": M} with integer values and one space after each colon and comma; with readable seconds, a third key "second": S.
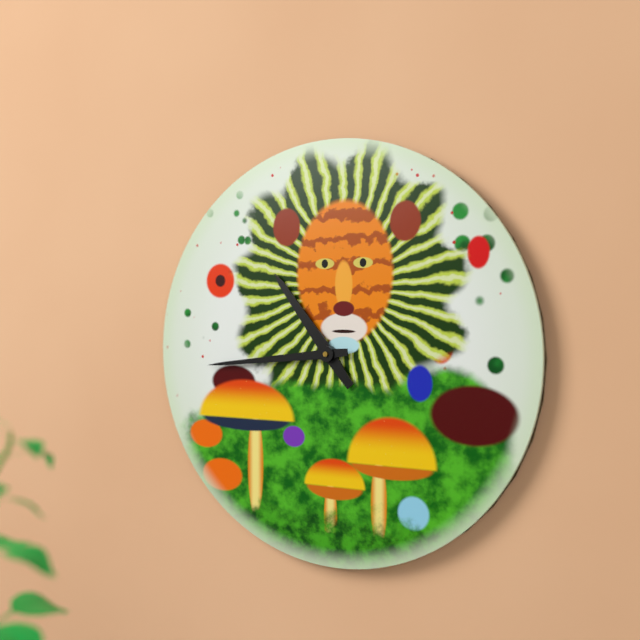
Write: {"hour": 10, "minute": 44}
